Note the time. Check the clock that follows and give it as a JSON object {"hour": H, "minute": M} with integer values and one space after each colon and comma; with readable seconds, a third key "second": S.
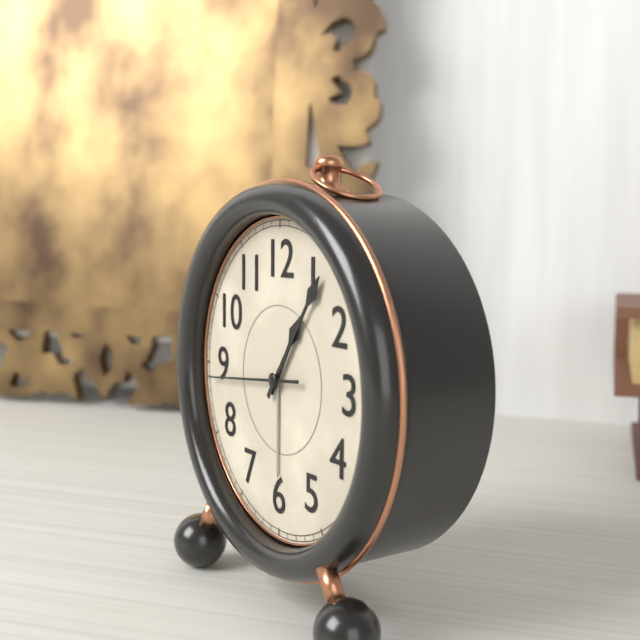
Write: {"hour": 1, "minute": 6, "second": 44}
